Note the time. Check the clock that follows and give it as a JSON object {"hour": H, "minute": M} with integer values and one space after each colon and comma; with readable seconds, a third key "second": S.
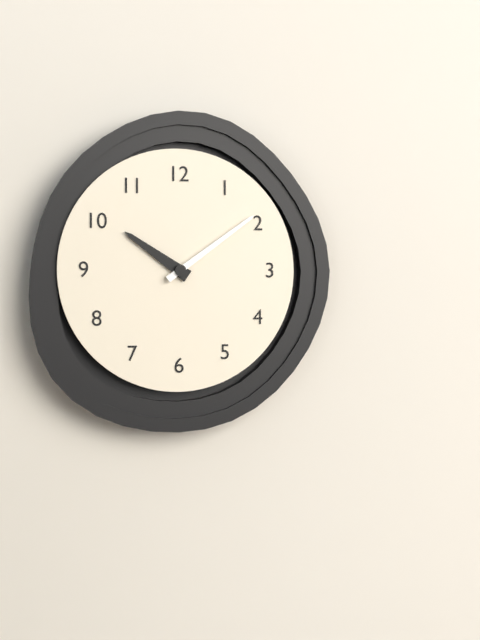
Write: {"hour": 10, "minute": 9}
